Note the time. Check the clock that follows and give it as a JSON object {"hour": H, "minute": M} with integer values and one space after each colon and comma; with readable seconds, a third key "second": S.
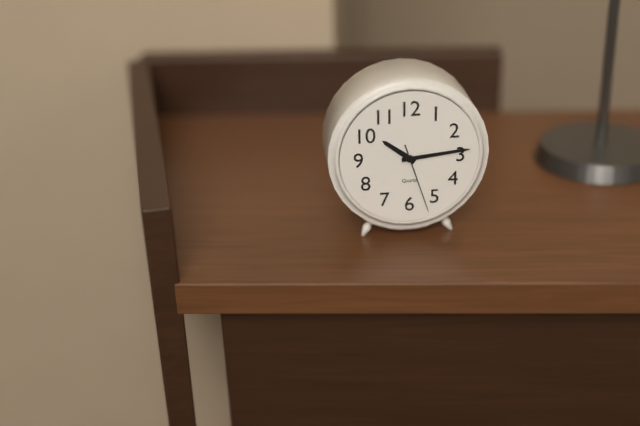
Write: {"hour": 10, "minute": 14, "second": 27}
